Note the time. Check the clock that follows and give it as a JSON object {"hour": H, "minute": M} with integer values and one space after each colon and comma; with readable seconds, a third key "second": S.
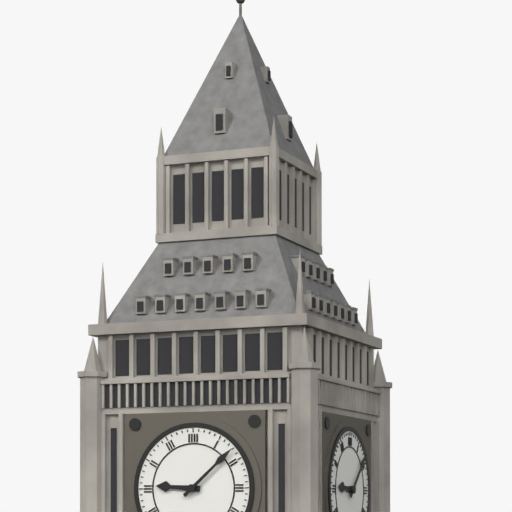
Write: {"hour": 9, "minute": 8}
